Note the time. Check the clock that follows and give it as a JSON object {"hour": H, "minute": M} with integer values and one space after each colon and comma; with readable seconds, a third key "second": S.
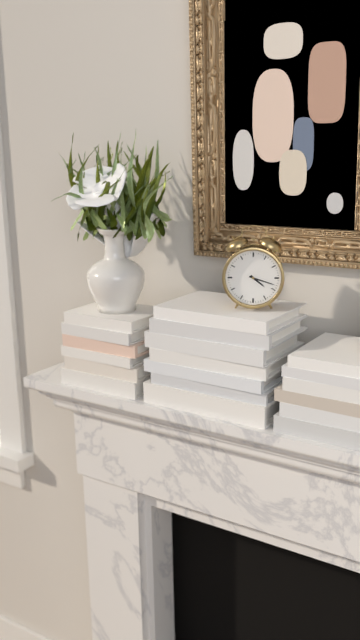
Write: {"hour": 4, "minute": 18}
